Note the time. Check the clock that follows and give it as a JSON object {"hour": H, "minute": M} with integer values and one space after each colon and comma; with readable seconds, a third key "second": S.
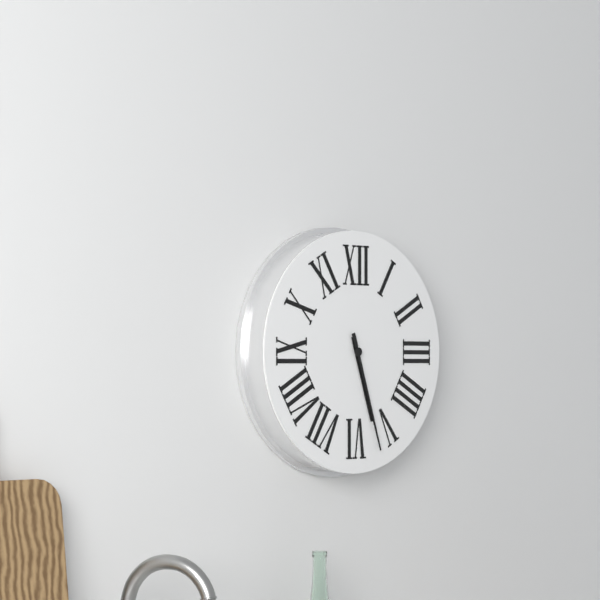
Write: {"hour": 5, "minute": 27}
